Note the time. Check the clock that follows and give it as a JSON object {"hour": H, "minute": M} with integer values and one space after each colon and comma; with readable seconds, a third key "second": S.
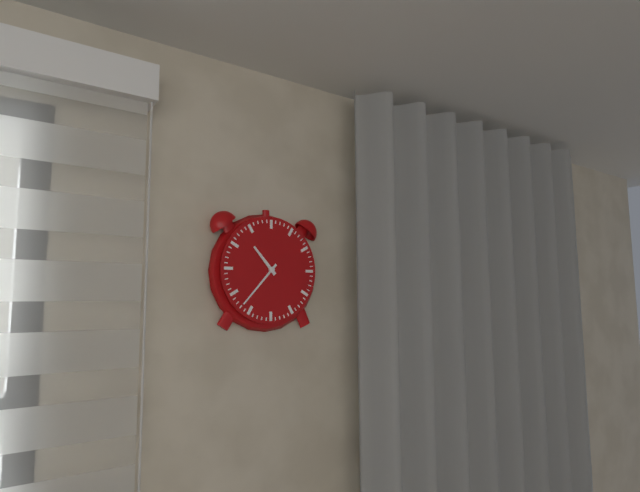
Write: {"hour": 10, "minute": 37}
